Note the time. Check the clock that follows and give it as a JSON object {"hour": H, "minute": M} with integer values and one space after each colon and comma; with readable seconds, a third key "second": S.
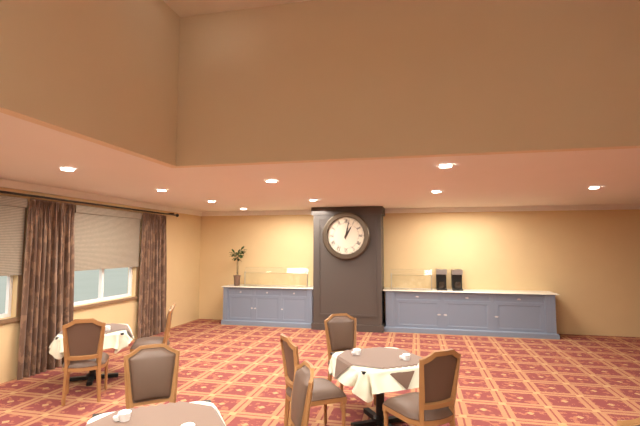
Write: {"hour": 1, "minute": 2}
